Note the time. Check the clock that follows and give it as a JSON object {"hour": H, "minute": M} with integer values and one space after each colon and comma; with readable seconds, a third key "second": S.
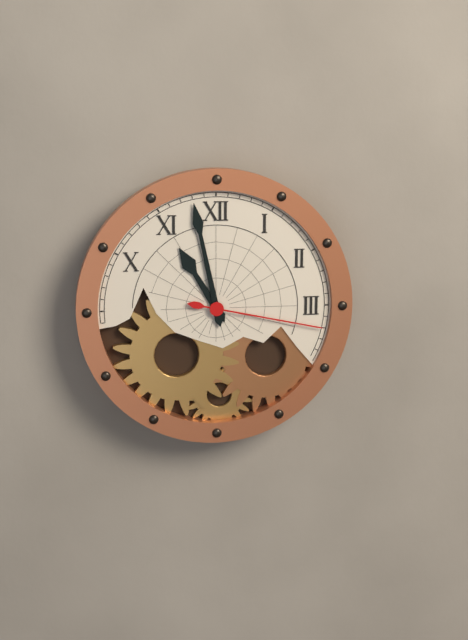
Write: {"hour": 10, "minute": 58, "second": 17}
